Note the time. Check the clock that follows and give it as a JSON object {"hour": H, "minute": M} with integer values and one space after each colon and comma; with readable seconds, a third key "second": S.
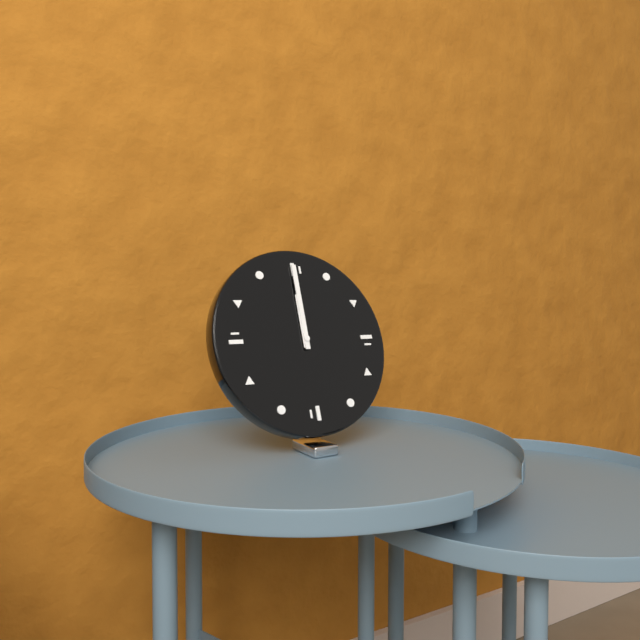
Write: {"hour": 12, "minute": 0}
